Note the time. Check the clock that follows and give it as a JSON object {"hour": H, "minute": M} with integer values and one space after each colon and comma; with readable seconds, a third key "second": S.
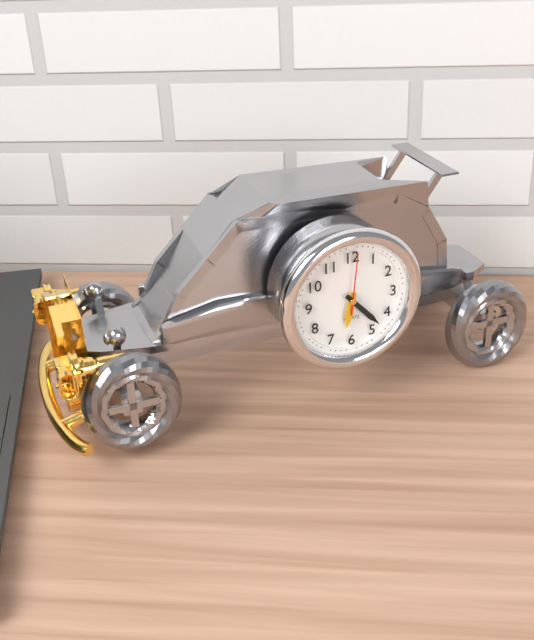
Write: {"hour": 6, "minute": 23, "second": 1}
